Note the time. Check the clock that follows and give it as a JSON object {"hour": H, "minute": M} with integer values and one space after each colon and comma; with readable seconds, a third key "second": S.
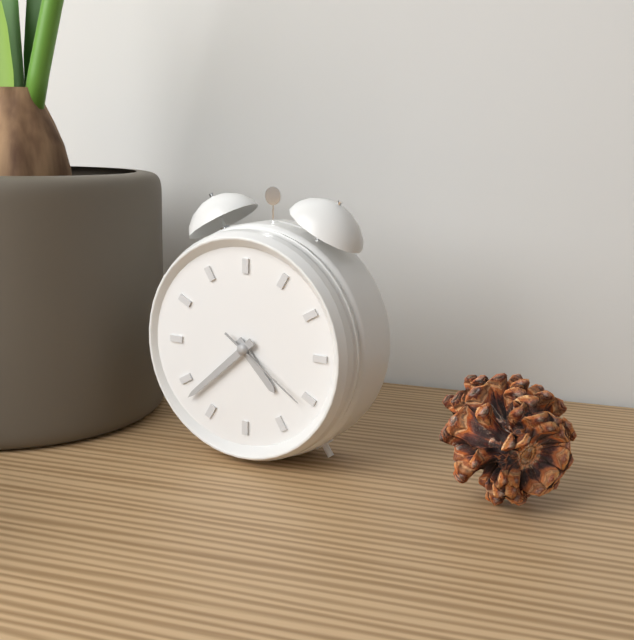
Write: {"hour": 4, "minute": 38, "second": 21}
